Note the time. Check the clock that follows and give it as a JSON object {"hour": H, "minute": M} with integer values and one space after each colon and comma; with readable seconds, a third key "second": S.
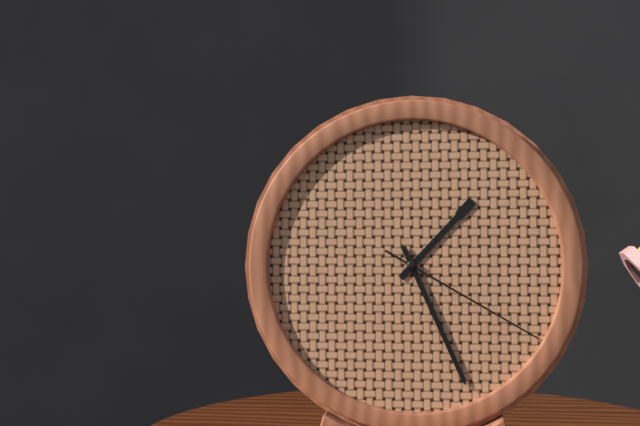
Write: {"hour": 1, "minute": 26, "second": 20}
